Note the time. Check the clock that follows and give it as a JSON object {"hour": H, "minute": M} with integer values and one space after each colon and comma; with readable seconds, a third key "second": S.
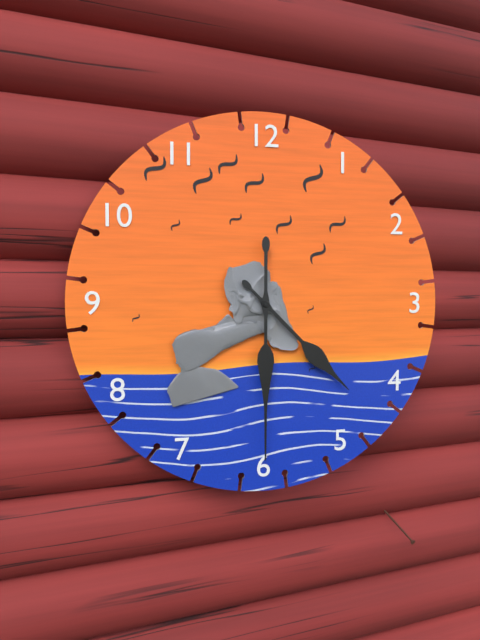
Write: {"hour": 4, "minute": 30}
